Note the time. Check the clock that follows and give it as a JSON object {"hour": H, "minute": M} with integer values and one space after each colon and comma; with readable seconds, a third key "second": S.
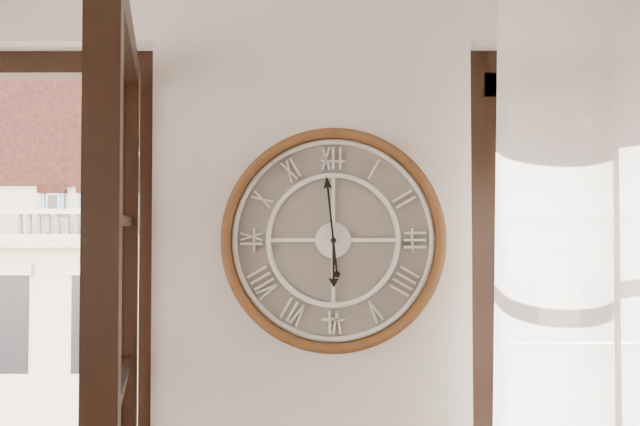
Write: {"hour": 5, "minute": 59}
